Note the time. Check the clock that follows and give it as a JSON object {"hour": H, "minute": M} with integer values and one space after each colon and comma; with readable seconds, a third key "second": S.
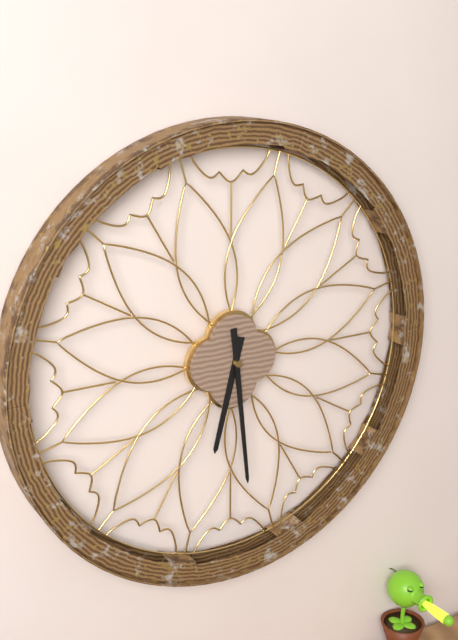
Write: {"hour": 6, "minute": 29}
